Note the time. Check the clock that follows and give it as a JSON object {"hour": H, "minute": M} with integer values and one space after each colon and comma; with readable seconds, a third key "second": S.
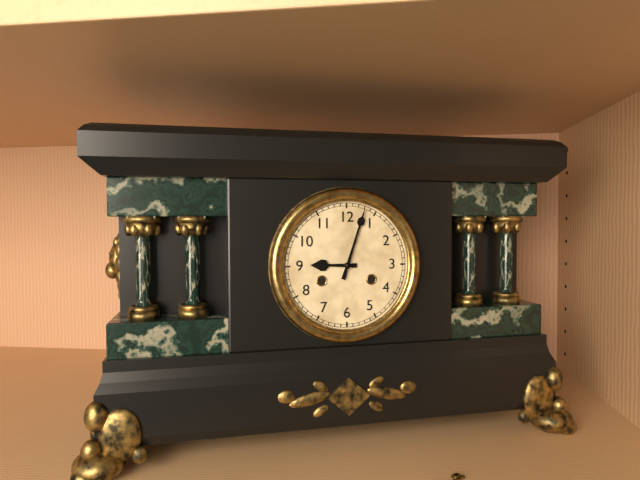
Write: {"hour": 9, "minute": 3}
